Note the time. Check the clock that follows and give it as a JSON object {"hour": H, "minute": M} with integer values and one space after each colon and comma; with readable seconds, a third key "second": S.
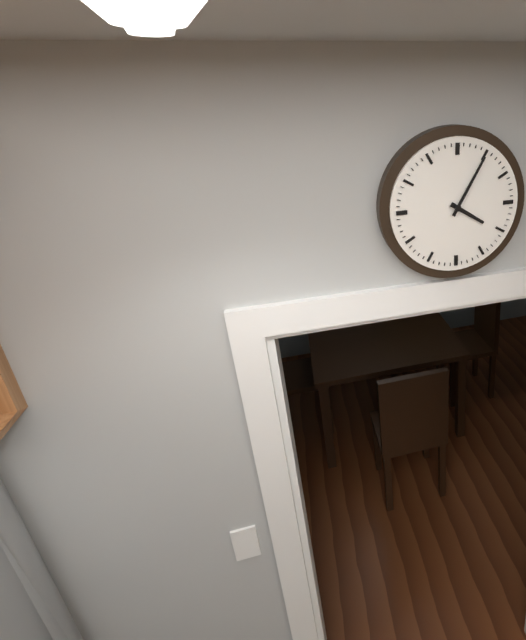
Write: {"hour": 4, "minute": 5}
